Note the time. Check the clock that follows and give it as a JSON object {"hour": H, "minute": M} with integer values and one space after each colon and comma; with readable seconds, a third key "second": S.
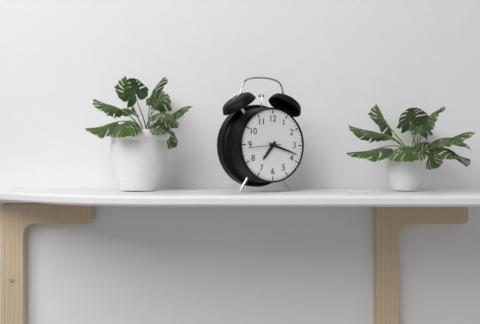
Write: {"hour": 7, "minute": 18}
